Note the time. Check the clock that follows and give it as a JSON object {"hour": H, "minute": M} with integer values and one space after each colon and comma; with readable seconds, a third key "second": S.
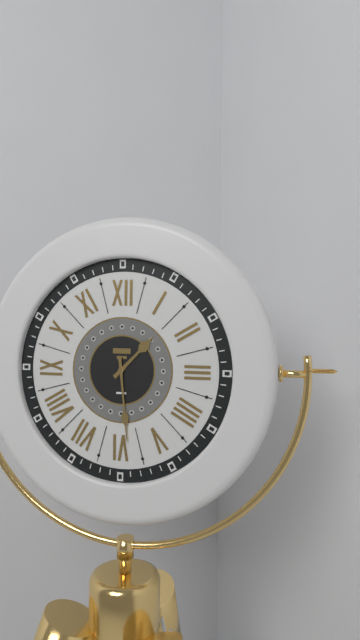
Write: {"hour": 1, "minute": 29}
